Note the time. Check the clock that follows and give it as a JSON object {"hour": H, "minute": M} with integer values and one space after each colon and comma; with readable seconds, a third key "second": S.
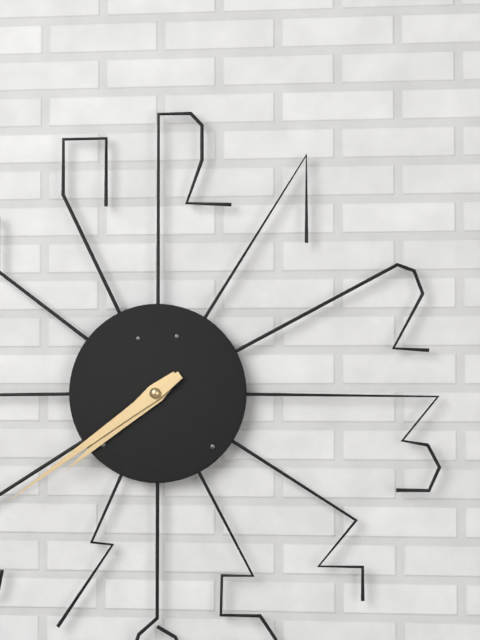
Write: {"hour": 7, "minute": 39}
